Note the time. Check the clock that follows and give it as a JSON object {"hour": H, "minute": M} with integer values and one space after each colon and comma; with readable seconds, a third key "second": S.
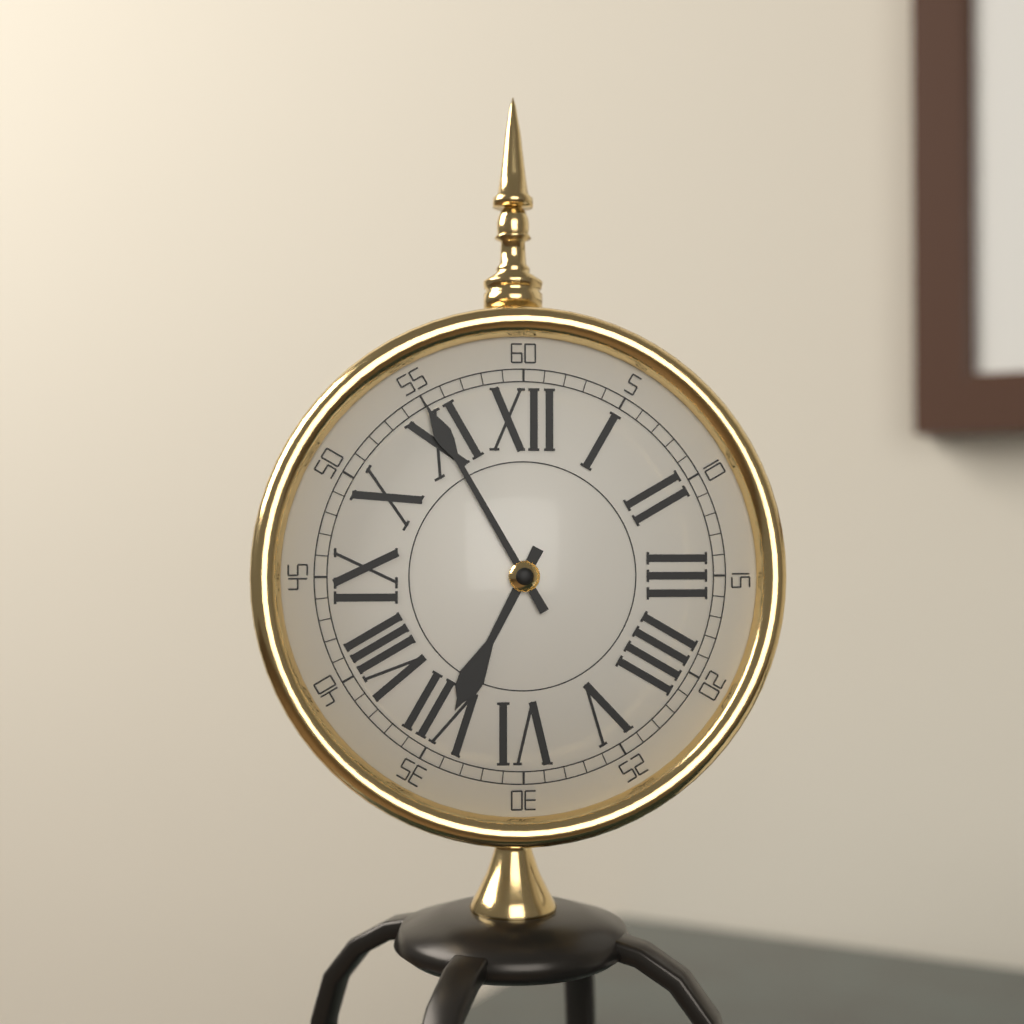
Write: {"hour": 6, "minute": 55}
